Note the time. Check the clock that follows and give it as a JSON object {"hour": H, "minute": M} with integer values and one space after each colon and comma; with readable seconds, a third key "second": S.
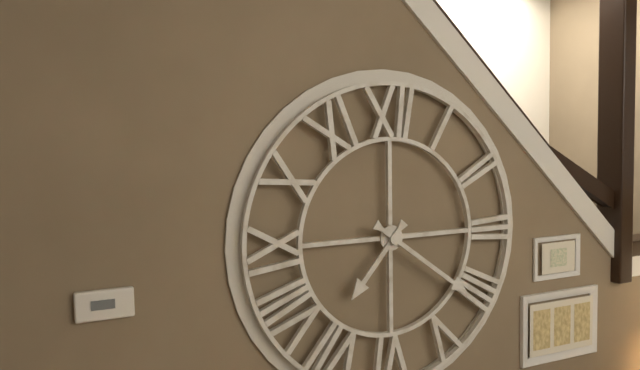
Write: {"hour": 7, "minute": 21}
